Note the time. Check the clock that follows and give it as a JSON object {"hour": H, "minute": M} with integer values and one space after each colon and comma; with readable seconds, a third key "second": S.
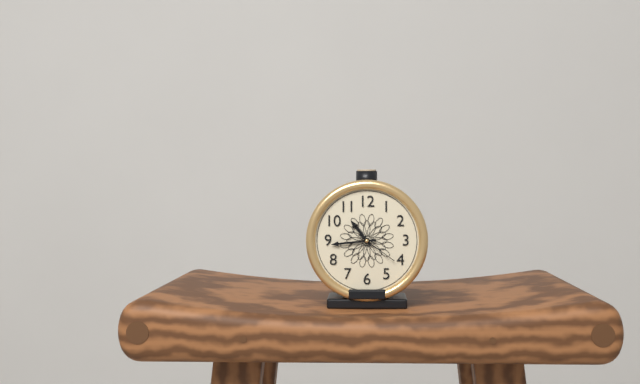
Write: {"hour": 10, "minute": 44}
